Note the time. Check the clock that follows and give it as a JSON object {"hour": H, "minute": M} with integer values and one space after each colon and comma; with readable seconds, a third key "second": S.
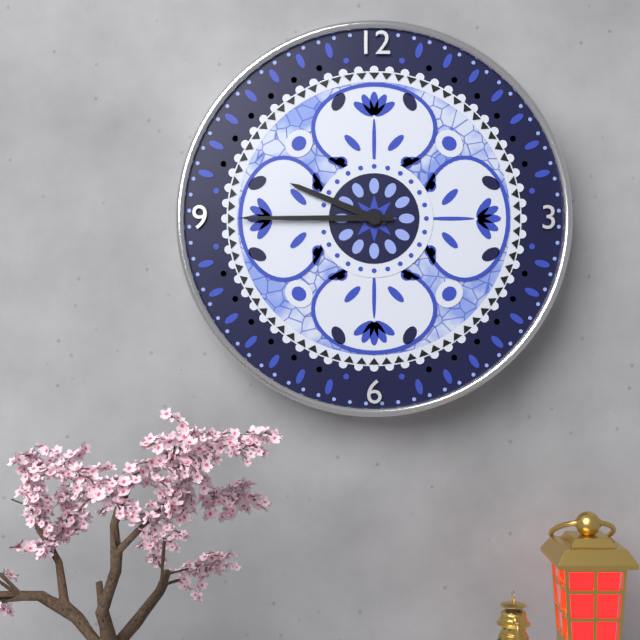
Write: {"hour": 9, "minute": 45}
